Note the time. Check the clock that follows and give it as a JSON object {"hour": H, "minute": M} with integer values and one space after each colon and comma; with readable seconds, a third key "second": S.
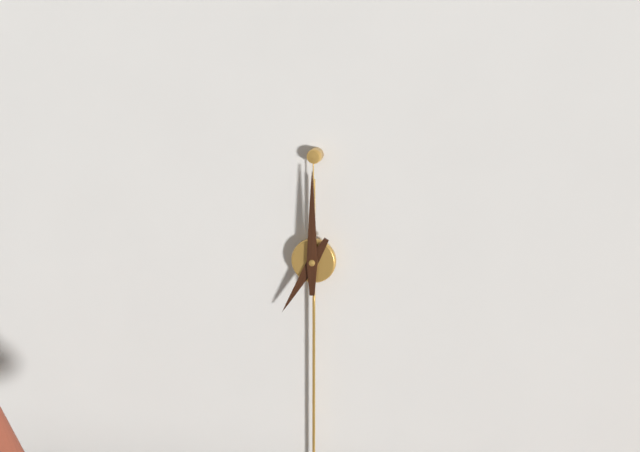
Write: {"hour": 7, "minute": 0}
